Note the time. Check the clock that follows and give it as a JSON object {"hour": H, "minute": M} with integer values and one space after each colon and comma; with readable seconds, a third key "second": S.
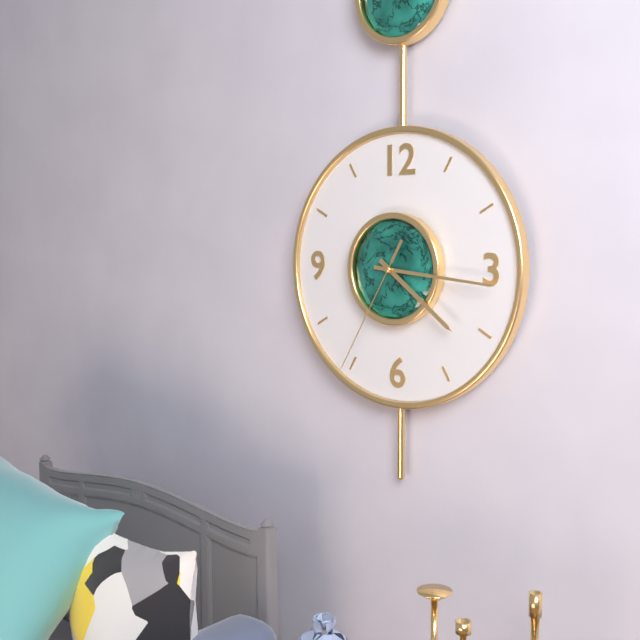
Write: {"hour": 4, "minute": 16, "second": 35}
